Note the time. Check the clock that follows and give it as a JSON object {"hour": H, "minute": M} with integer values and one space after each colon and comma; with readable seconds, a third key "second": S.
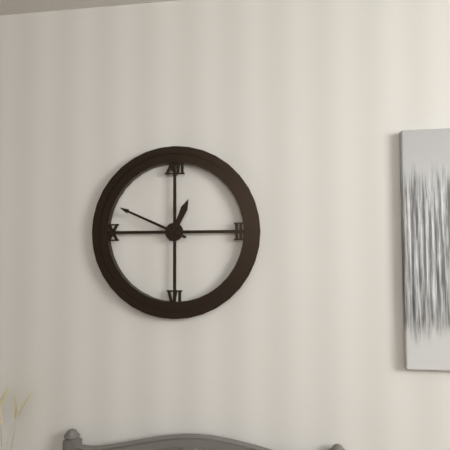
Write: {"hour": 12, "minute": 49}
